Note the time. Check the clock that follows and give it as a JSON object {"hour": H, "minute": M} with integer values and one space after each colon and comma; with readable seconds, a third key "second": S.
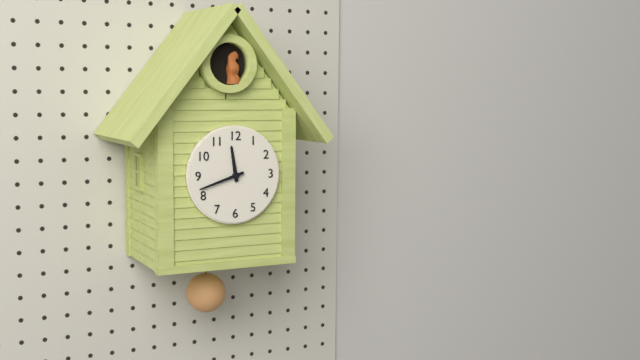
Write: {"hour": 11, "minute": 42}
